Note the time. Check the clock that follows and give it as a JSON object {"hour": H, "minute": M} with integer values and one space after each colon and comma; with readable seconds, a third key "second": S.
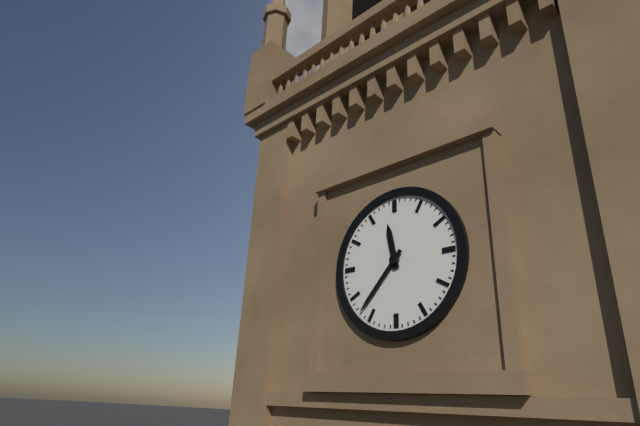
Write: {"hour": 11, "minute": 37}
